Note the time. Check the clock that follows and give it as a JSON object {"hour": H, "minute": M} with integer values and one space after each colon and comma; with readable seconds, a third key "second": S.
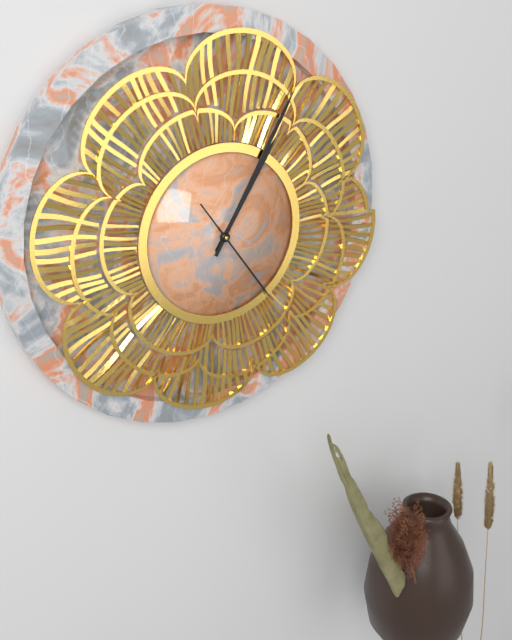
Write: {"hour": 1, "minute": 5, "second": 24}
